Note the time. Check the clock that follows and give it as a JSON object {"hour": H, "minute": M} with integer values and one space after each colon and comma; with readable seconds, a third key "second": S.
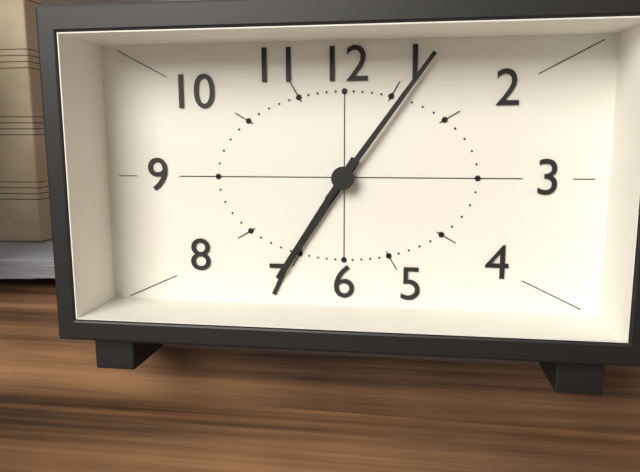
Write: {"hour": 7, "minute": 6}
